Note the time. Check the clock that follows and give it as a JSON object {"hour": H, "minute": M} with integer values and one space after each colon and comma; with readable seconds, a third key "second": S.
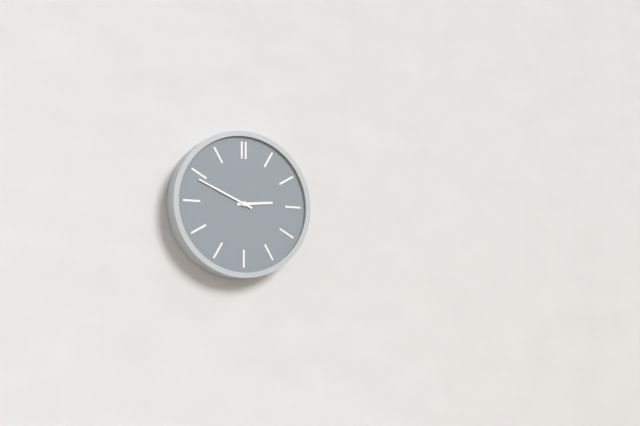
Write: {"hour": 2, "minute": 49}
